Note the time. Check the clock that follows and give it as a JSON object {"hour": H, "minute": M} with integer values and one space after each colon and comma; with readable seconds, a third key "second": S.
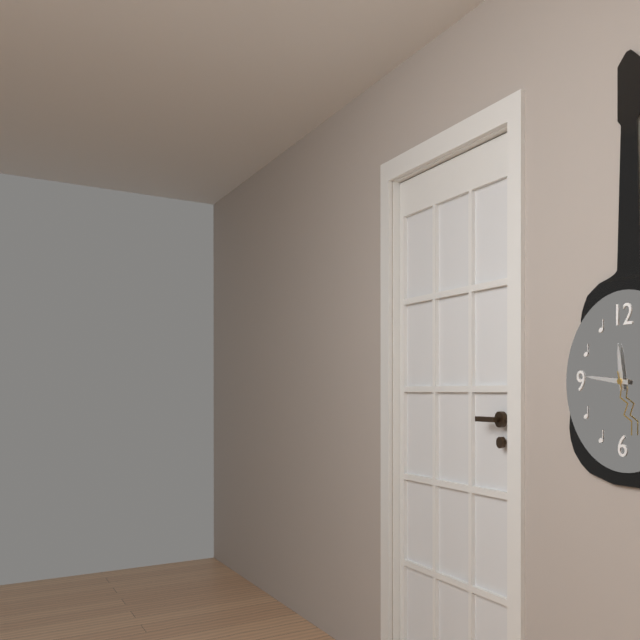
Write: {"hour": 11, "minute": 46, "second": 27}
